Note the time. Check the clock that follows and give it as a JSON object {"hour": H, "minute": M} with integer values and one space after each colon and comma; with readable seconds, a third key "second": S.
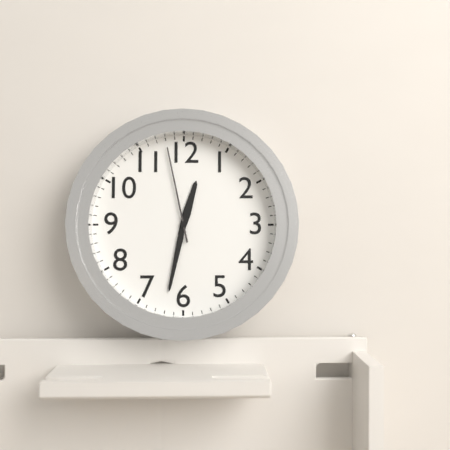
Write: {"hour": 12, "minute": 32, "second": 58}
